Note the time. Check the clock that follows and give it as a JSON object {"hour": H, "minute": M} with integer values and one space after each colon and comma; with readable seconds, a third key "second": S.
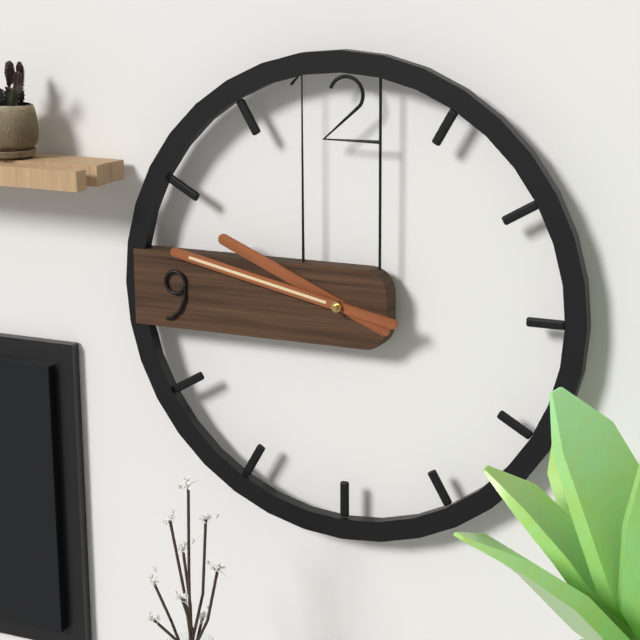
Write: {"hour": 9, "minute": 47}
